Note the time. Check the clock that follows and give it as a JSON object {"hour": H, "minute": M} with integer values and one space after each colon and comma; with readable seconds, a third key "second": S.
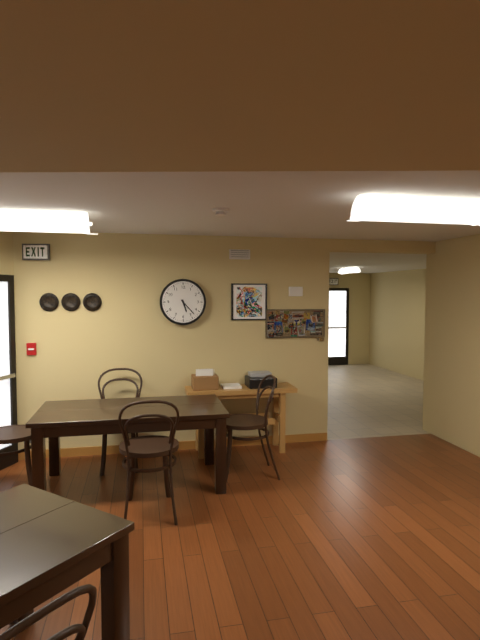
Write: {"hour": 5, "minute": 23}
